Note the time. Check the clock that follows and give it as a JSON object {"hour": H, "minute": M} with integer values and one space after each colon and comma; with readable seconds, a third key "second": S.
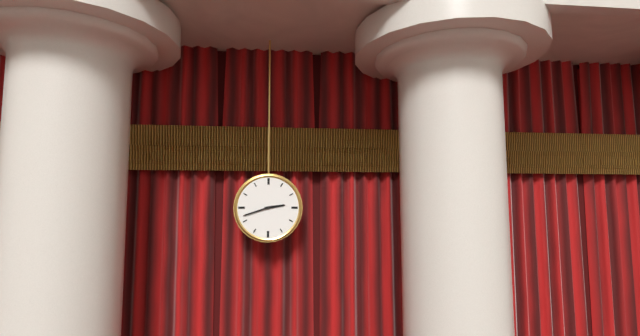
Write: {"hour": 2, "minute": 42}
